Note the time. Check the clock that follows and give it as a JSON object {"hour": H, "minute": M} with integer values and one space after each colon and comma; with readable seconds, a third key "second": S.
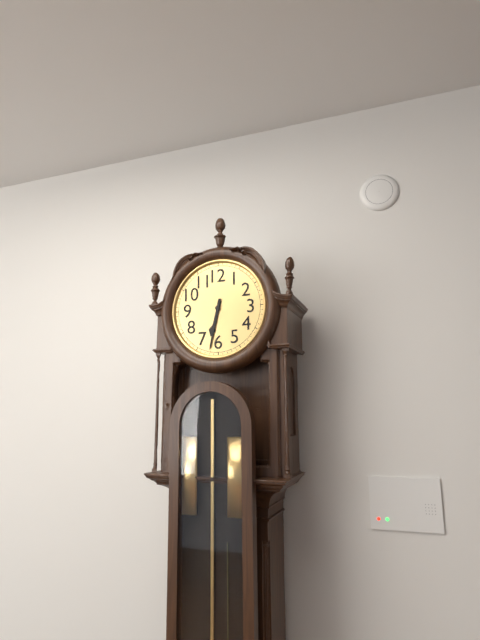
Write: {"hour": 6, "minute": 32}
